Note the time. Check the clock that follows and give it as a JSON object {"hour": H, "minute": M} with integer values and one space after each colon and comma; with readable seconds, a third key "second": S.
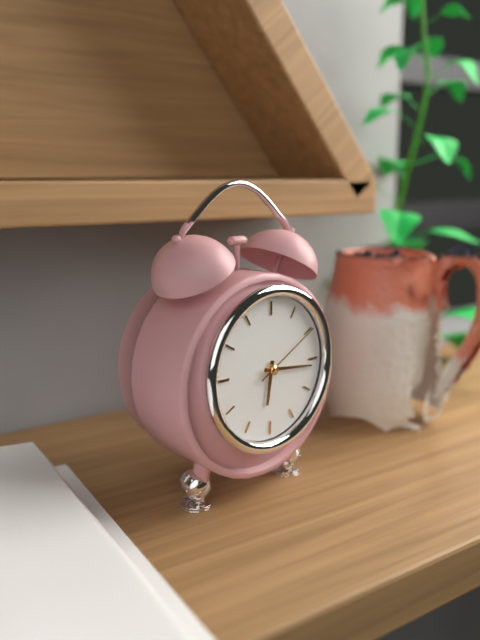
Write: {"hour": 6, "minute": 16, "second": 10}
